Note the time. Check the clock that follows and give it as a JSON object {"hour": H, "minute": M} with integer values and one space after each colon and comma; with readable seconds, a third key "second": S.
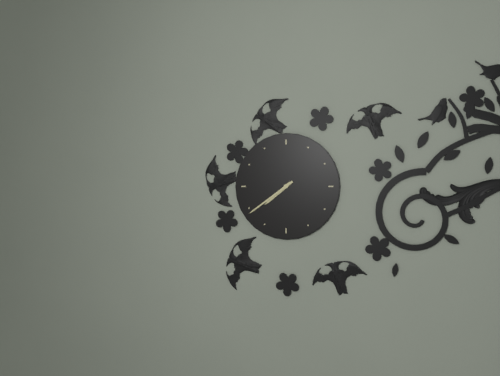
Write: {"hour": 7, "minute": 39}
